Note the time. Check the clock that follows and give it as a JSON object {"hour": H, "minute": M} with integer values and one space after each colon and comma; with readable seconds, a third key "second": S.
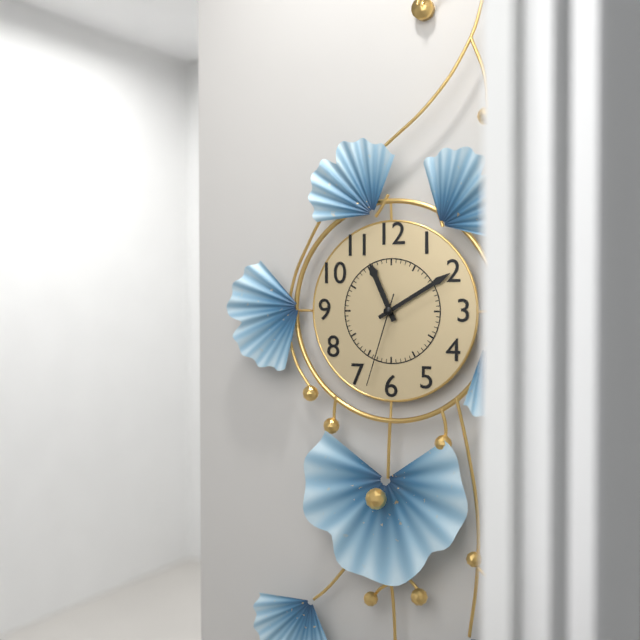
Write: {"hour": 11, "minute": 10, "second": 33}
